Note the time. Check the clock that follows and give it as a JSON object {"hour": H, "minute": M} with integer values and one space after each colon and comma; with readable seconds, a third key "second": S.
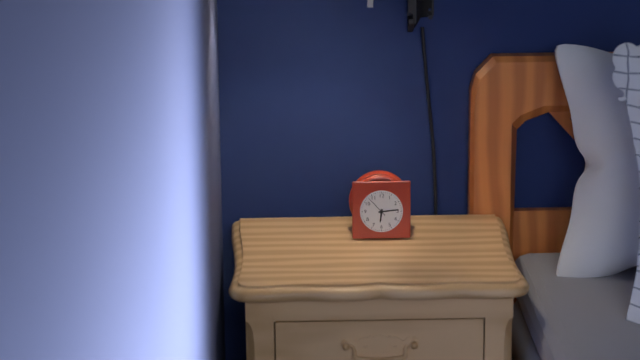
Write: {"hour": 6, "minute": 14}
